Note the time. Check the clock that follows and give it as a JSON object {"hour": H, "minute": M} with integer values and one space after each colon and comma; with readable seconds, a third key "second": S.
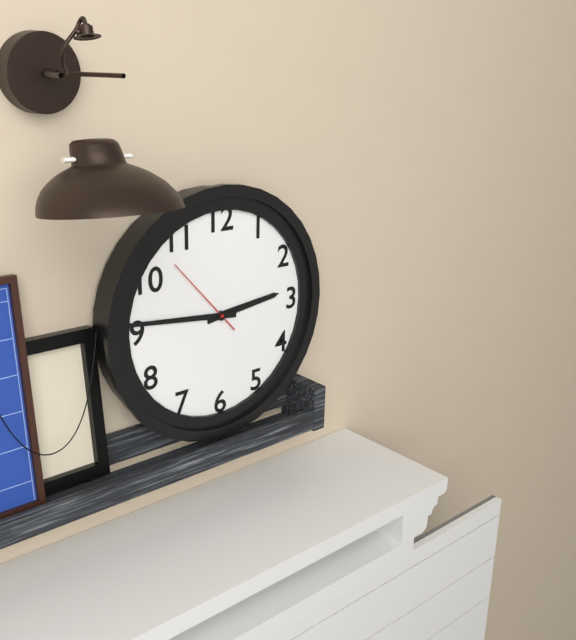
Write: {"hour": 2, "minute": 46, "second": 53}
